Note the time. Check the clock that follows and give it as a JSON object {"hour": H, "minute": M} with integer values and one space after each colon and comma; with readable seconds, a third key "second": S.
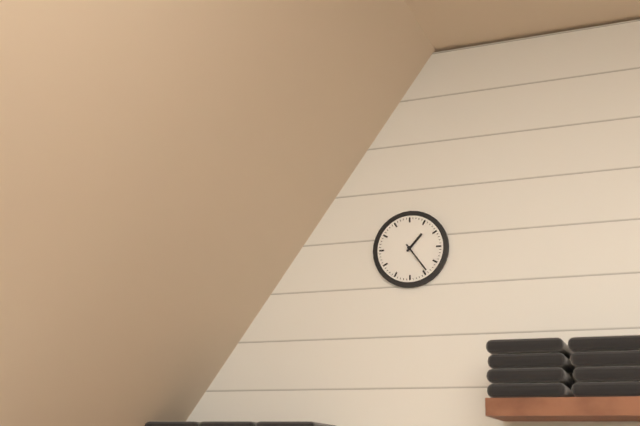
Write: {"hour": 1, "minute": 24}
